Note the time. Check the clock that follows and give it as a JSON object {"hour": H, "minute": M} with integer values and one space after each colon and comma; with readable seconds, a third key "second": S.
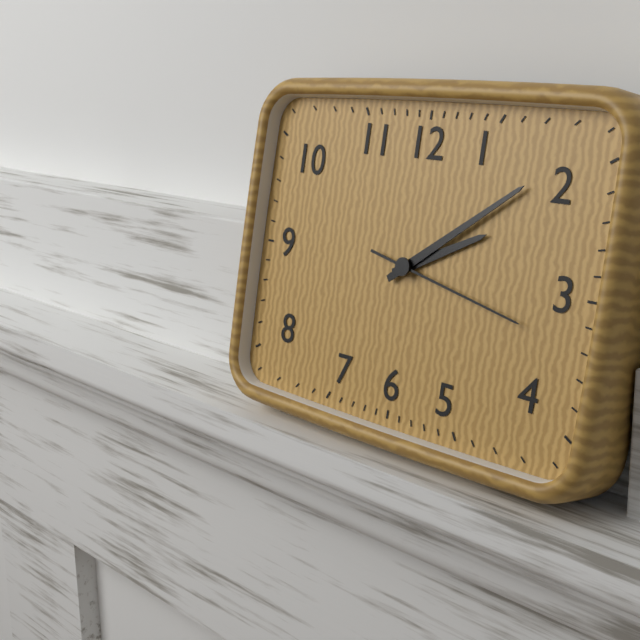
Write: {"hour": 2, "minute": 9, "second": 17}
